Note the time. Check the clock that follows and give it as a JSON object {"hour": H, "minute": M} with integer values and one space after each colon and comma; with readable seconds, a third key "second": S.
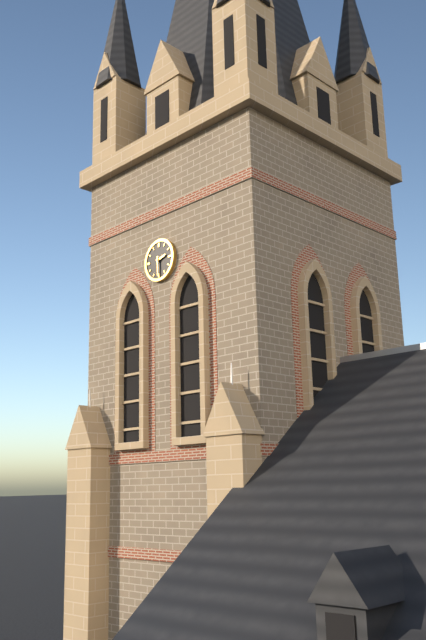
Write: {"hour": 2, "minute": 30}
